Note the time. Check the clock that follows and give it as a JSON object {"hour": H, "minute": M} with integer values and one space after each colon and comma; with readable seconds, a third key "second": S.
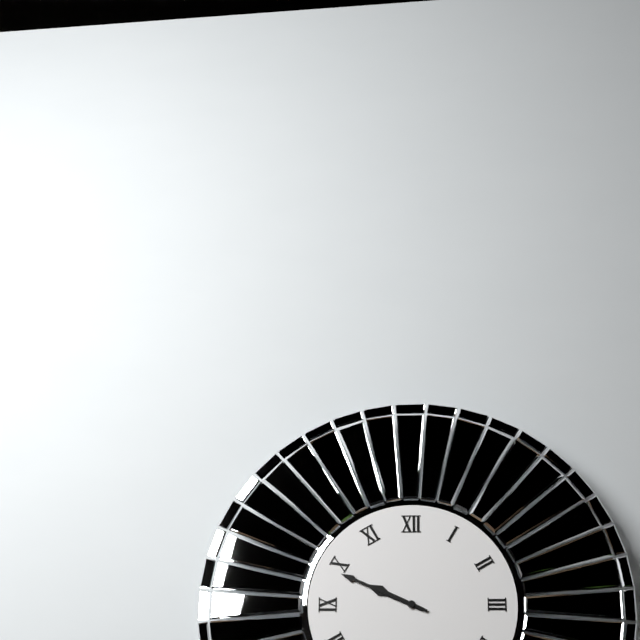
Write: {"hour": 9, "minute": 49}
